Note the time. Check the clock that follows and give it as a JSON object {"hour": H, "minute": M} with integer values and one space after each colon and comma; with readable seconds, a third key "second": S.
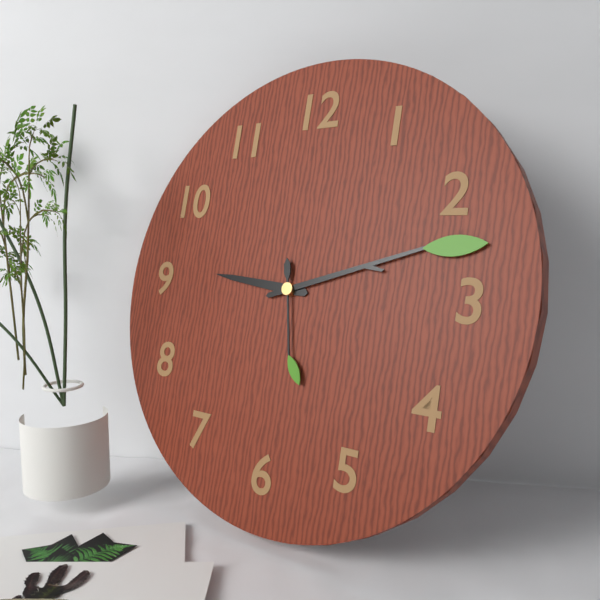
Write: {"hour": 9, "minute": 12, "second": 28}
